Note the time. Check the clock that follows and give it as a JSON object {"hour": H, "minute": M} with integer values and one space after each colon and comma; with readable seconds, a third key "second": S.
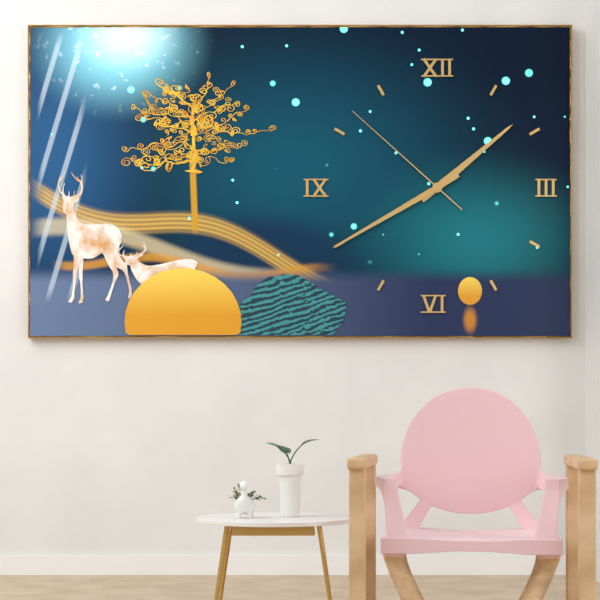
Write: {"hour": 1, "minute": 40, "second": 52}
